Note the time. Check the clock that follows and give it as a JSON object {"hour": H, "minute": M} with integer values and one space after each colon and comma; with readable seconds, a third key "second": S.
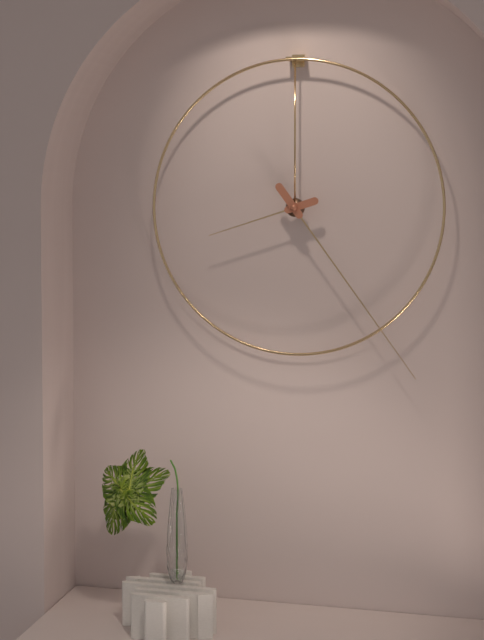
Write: {"hour": 8, "minute": 24}
